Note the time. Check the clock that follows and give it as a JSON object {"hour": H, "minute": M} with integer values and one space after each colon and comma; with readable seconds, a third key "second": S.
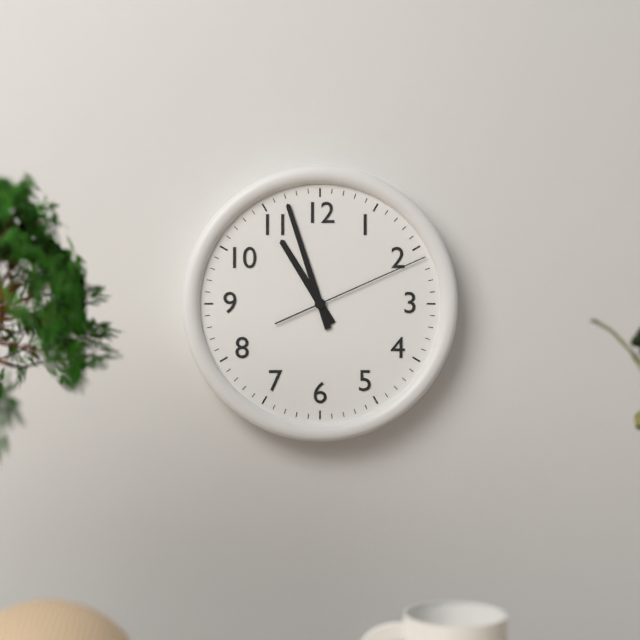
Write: {"hour": 10, "minute": 57, "second": 11}
